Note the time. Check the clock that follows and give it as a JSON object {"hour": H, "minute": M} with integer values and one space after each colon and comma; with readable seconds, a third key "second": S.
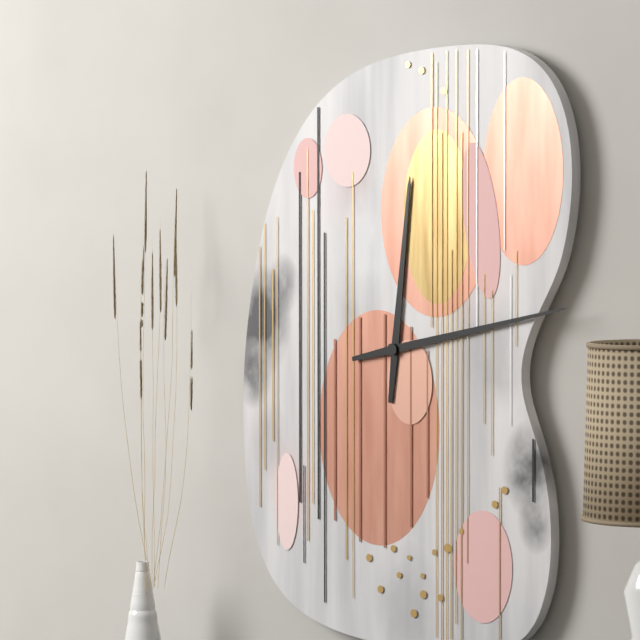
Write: {"hour": 12, "minute": 13}
